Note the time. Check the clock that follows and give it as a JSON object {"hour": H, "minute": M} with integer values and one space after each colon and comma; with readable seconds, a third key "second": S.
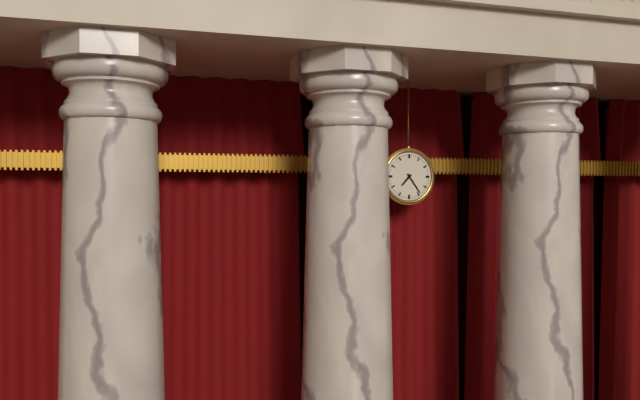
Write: {"hour": 7, "minute": 24}
